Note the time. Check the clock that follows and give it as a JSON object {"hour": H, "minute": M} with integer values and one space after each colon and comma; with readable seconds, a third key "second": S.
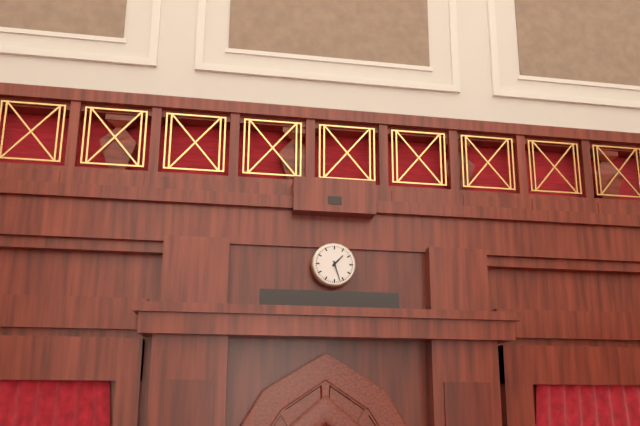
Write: {"hour": 1, "minute": 27}
